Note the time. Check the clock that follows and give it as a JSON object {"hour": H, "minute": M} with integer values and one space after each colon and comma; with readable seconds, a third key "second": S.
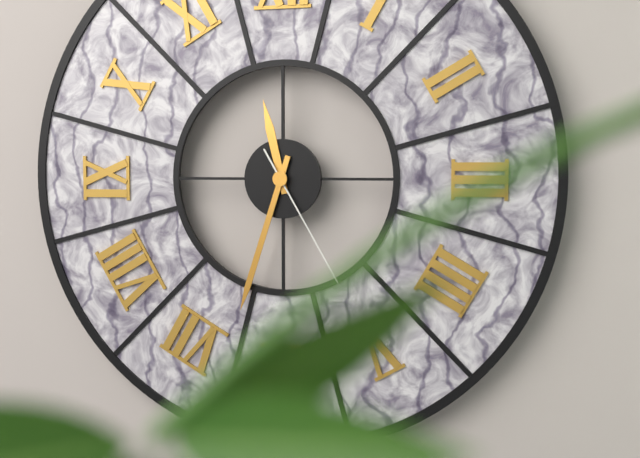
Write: {"hour": 11, "minute": 33, "second": 25}
